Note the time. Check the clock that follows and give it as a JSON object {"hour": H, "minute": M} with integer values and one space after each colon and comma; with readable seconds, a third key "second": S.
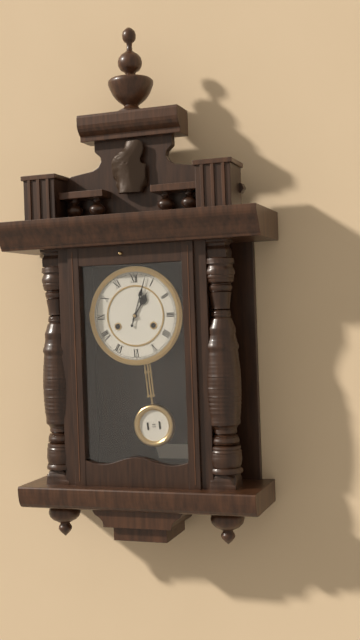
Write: {"hour": 1, "minute": 3}
